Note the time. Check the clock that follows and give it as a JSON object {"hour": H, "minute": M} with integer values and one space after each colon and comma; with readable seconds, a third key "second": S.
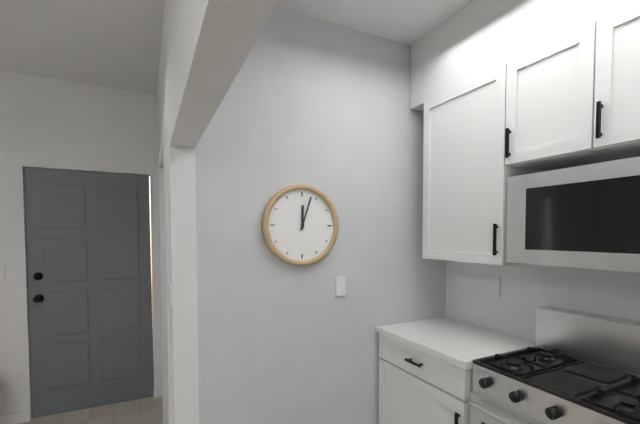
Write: {"hour": 12, "minute": 3}
